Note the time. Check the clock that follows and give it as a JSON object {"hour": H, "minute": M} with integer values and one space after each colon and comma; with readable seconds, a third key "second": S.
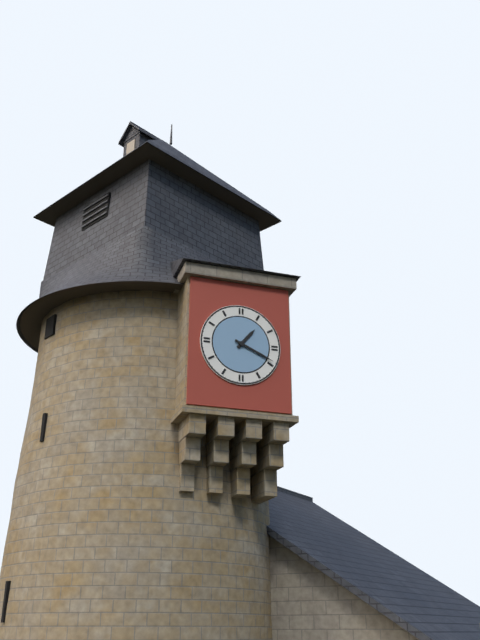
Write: {"hour": 1, "minute": 19}
